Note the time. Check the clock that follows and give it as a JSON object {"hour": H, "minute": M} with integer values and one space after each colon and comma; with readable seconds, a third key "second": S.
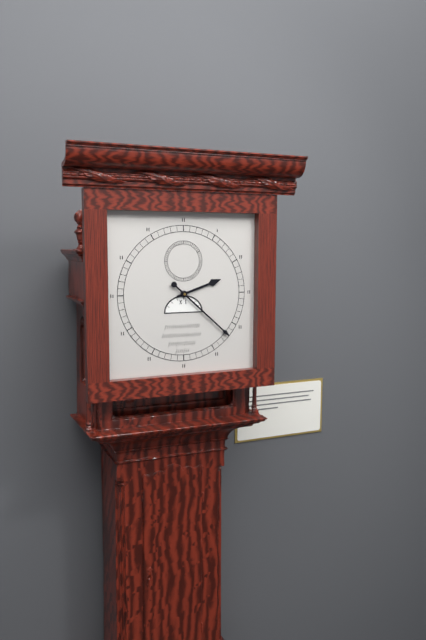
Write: {"hour": 2, "minute": 22}
